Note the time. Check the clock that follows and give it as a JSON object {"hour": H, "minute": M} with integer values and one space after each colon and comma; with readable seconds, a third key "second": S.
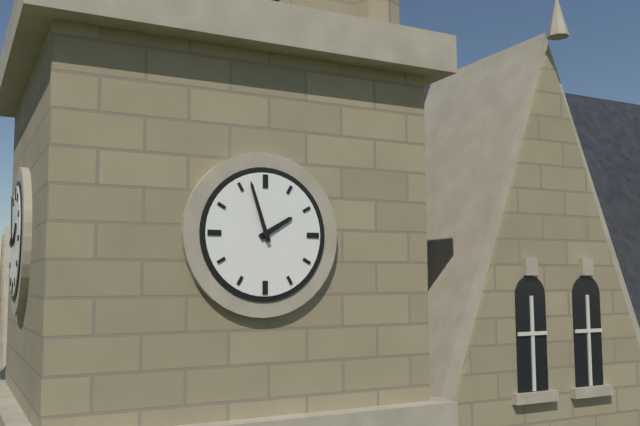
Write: {"hour": 1, "minute": 57}
